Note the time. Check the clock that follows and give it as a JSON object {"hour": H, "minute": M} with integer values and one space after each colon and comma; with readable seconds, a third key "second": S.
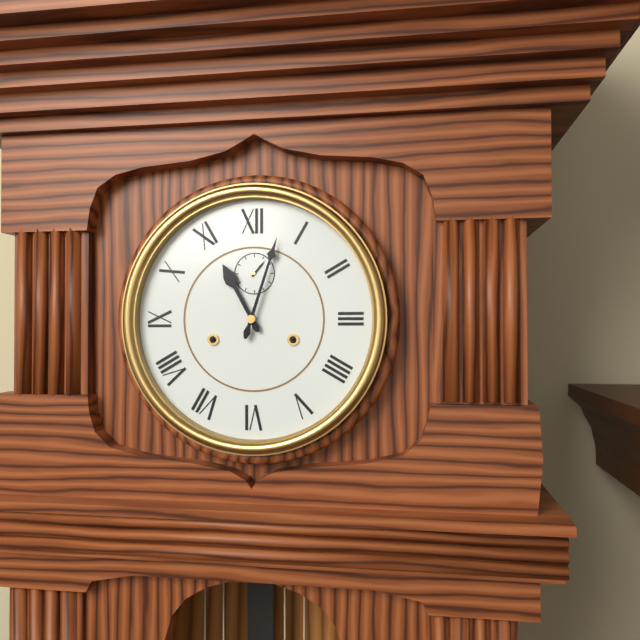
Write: {"hour": 11, "minute": 3}
